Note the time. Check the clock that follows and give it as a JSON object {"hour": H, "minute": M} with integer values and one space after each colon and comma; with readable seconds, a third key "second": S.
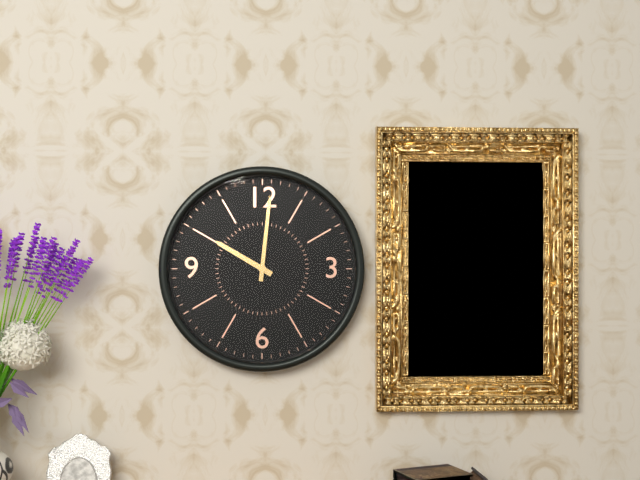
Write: {"hour": 10, "minute": 1}
